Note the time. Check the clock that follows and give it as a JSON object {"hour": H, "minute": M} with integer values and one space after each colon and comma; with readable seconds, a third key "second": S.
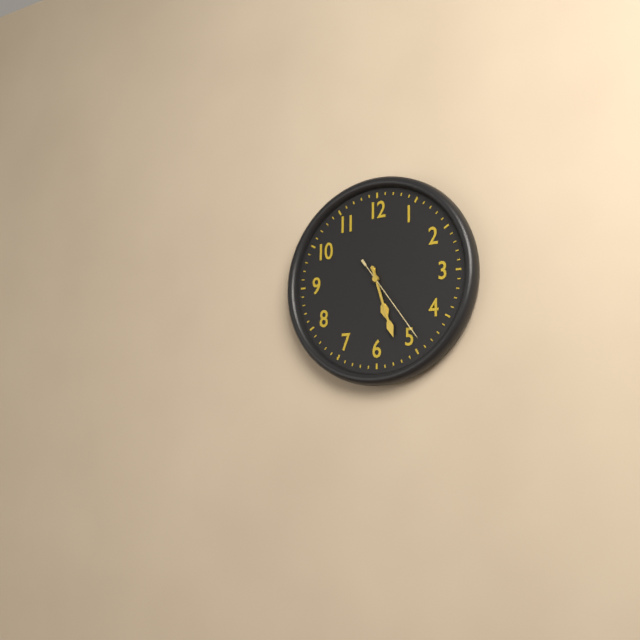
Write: {"hour": 5, "minute": 27, "second": 24}
